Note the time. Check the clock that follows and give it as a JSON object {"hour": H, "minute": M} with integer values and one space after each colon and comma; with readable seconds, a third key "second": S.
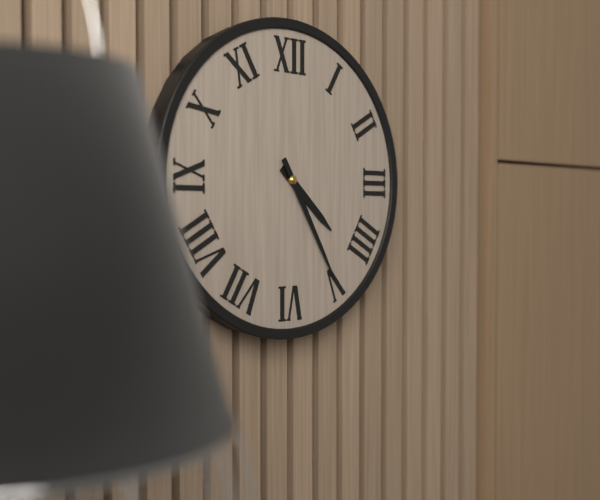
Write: {"hour": 4, "minute": 25}
